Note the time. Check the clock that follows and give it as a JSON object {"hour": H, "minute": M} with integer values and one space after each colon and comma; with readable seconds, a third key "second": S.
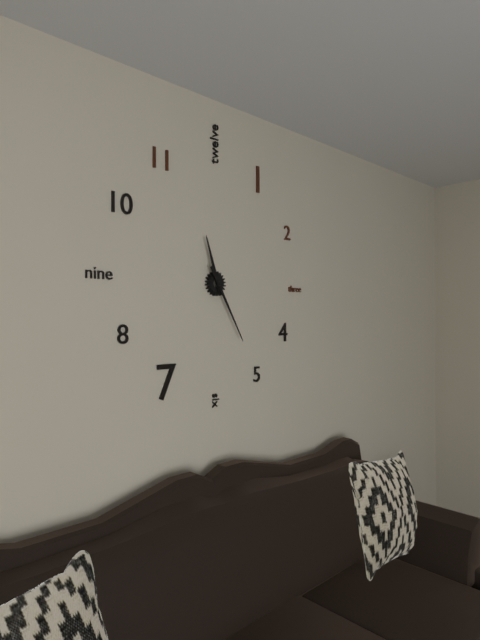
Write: {"hour": 11, "minute": 25}
